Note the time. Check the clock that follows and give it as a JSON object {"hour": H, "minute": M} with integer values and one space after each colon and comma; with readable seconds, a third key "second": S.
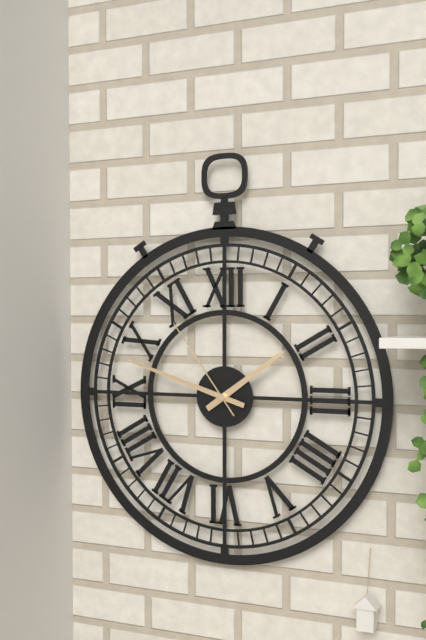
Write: {"hour": 1, "minute": 48, "second": 54}
